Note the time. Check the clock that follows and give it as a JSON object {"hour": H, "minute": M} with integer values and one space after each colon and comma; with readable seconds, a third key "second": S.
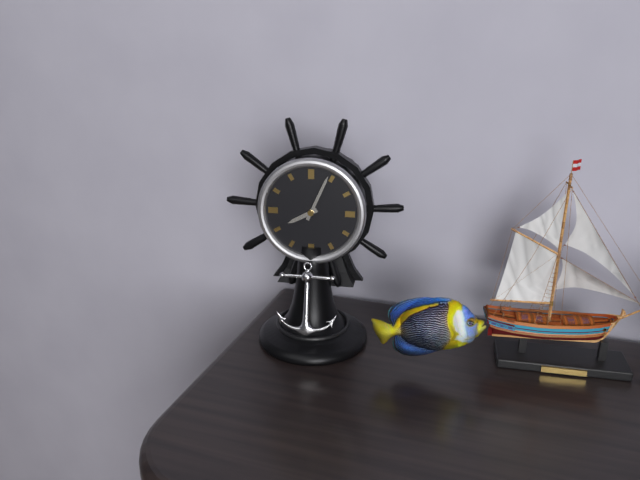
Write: {"hour": 8, "minute": 4}
